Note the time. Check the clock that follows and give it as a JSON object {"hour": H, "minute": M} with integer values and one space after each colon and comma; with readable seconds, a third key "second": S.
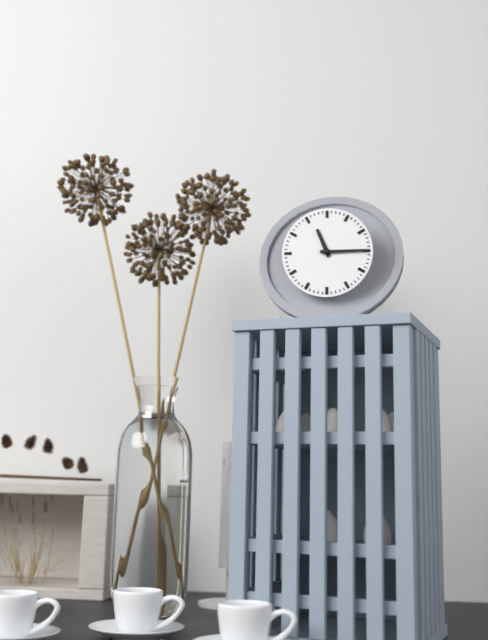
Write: {"hour": 11, "minute": 15}
